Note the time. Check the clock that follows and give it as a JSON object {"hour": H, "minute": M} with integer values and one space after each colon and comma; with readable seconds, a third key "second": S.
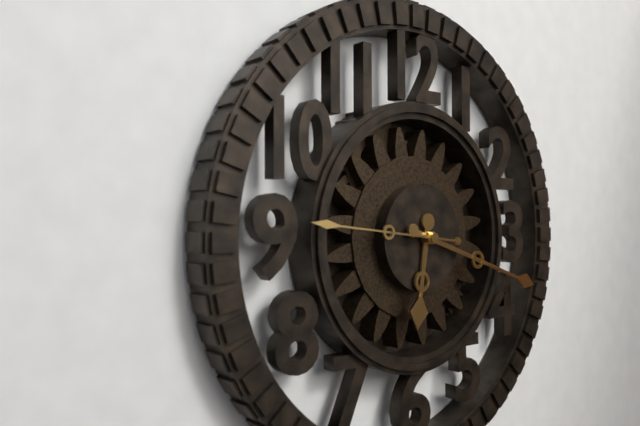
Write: {"hour": 6, "minute": 18, "second": 46}
